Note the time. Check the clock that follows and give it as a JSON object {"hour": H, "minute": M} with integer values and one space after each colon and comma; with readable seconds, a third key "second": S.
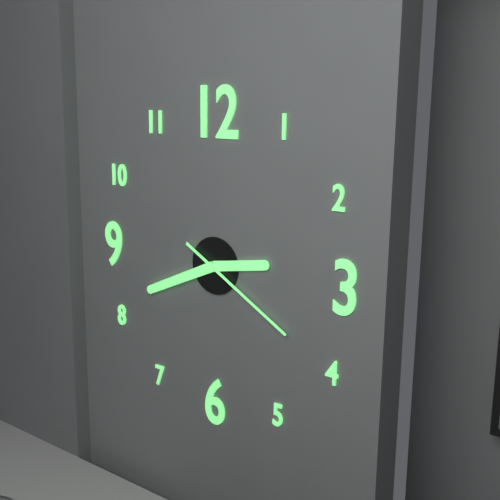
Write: {"hour": 2, "minute": 41, "second": 20}
